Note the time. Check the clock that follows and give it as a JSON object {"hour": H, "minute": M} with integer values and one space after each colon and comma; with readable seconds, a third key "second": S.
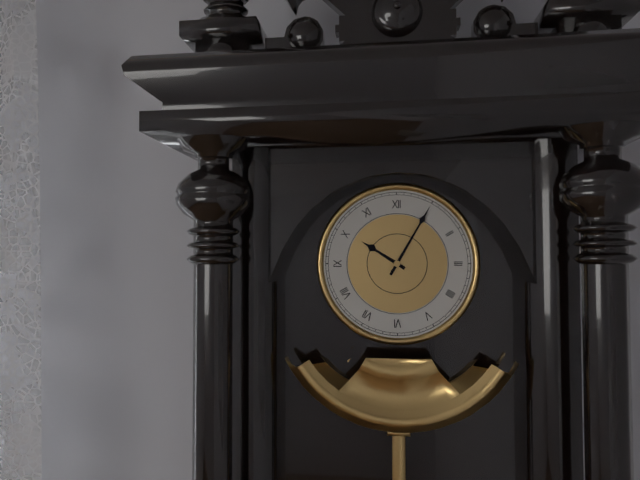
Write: {"hour": 10, "minute": 5}
